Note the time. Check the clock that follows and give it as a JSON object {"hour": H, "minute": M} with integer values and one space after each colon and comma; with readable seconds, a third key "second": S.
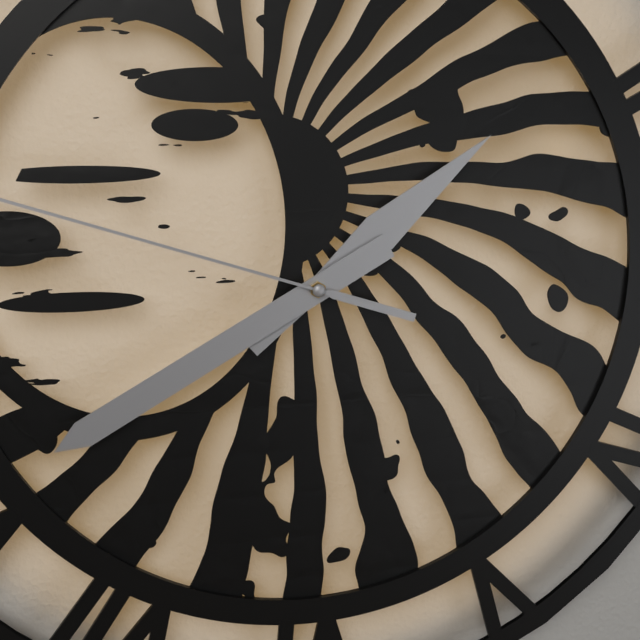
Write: {"hour": 1, "minute": 40}
